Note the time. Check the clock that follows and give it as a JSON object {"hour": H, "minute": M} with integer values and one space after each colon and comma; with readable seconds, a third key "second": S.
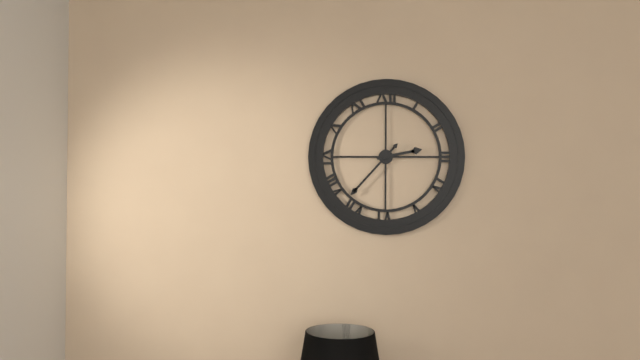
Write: {"hour": 2, "minute": 37}
